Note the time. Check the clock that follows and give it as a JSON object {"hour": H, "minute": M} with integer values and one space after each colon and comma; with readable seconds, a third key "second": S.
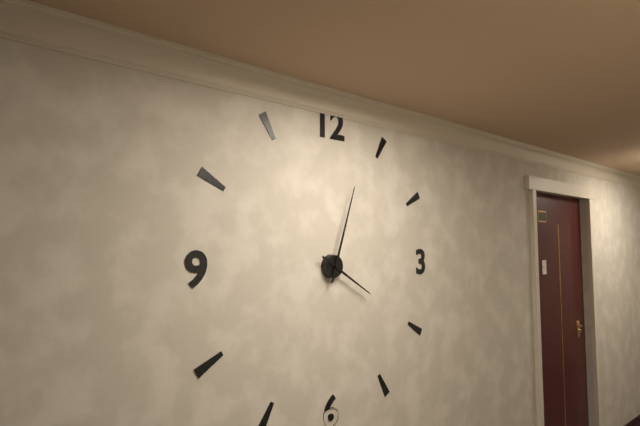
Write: {"hour": 4, "minute": 3}
